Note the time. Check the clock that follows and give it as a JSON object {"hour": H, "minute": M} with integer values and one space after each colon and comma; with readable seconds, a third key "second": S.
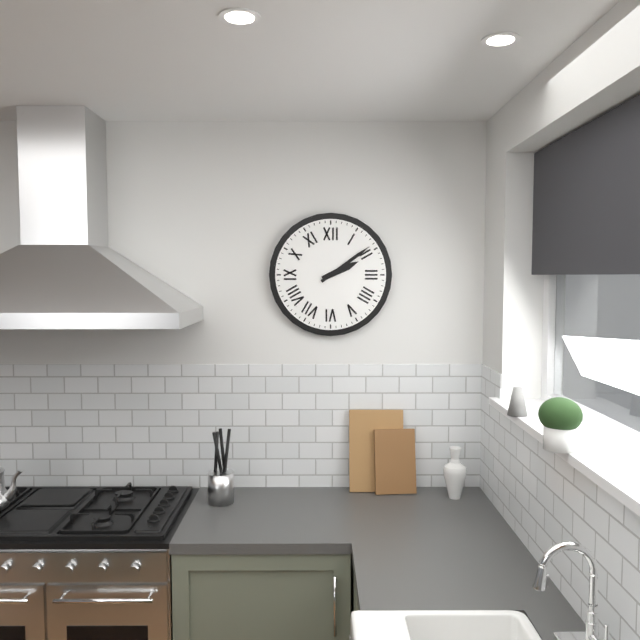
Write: {"hour": 2, "minute": 9}
